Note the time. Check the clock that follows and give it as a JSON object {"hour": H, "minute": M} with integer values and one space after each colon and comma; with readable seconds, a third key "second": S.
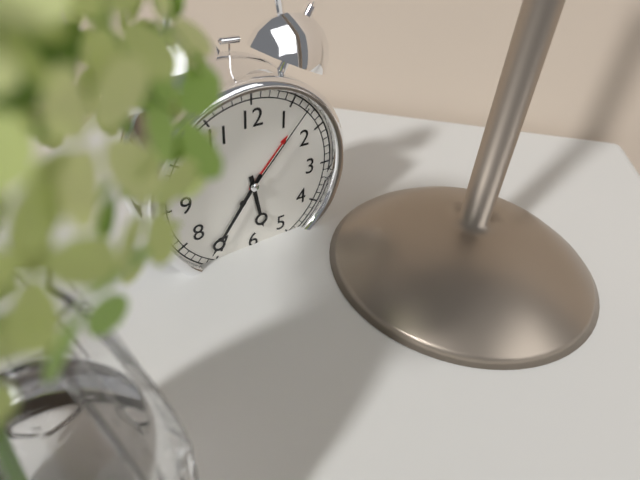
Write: {"hour": 5, "minute": 36, "second": 7}
